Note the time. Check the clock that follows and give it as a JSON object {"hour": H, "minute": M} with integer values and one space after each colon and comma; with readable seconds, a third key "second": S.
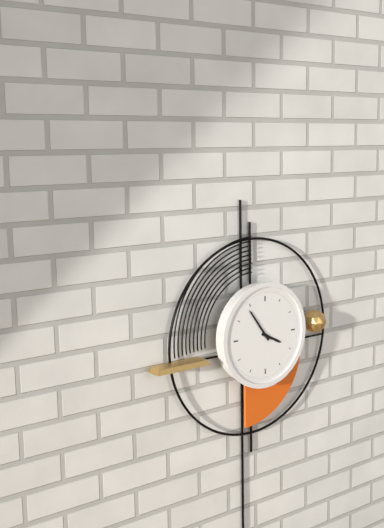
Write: {"hour": 3, "minute": 54}
